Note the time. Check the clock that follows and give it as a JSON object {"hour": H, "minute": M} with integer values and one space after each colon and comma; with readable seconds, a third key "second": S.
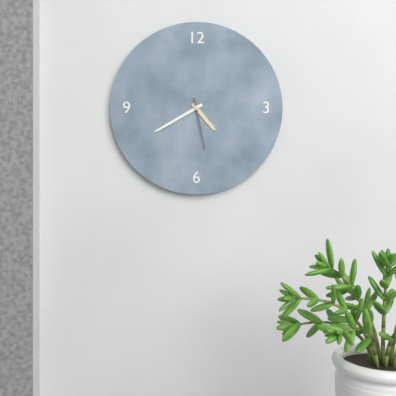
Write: {"hour": 4, "minute": 40, "second": 28}
